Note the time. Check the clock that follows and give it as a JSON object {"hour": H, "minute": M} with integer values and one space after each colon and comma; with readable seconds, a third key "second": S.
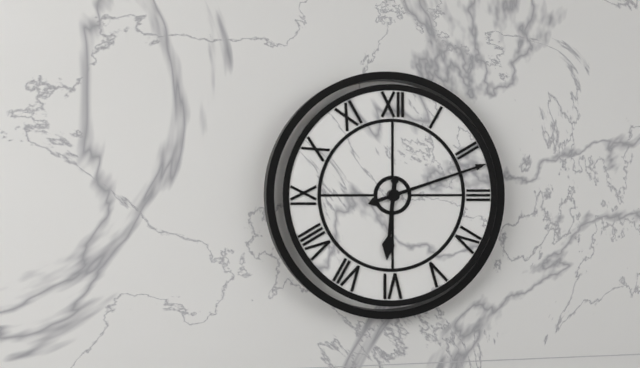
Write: {"hour": 6, "minute": 12}
